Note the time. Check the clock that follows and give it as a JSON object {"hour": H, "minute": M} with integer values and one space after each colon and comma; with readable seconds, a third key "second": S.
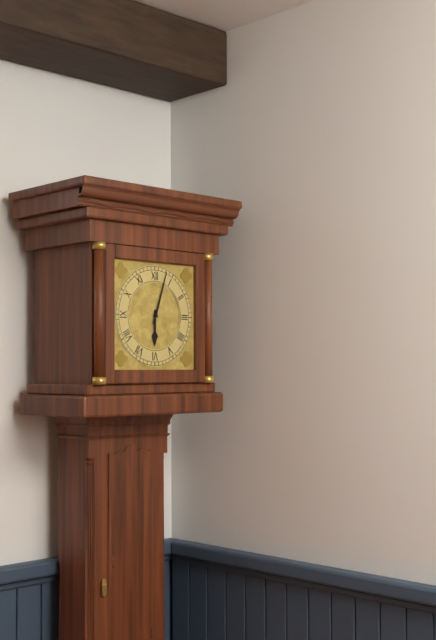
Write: {"hour": 6, "minute": 3}
